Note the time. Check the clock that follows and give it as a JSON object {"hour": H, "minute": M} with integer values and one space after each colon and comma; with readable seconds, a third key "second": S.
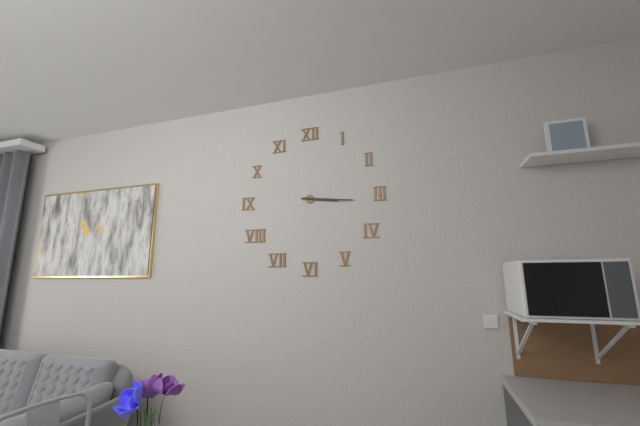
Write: {"hour": 3, "minute": 16}
